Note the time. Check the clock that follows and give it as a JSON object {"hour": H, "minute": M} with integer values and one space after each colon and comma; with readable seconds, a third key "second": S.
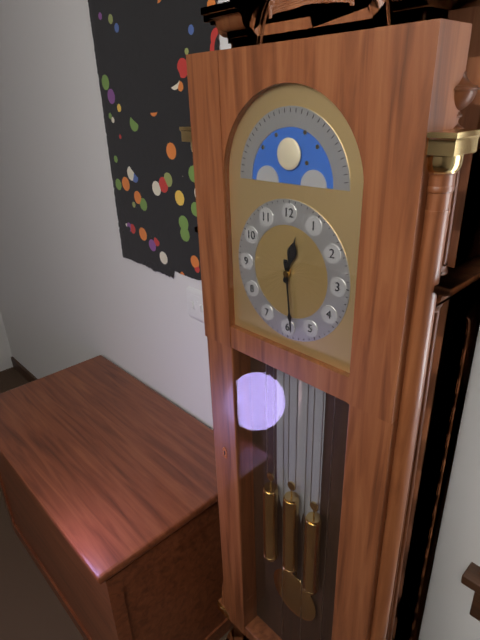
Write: {"hour": 12, "minute": 29}
